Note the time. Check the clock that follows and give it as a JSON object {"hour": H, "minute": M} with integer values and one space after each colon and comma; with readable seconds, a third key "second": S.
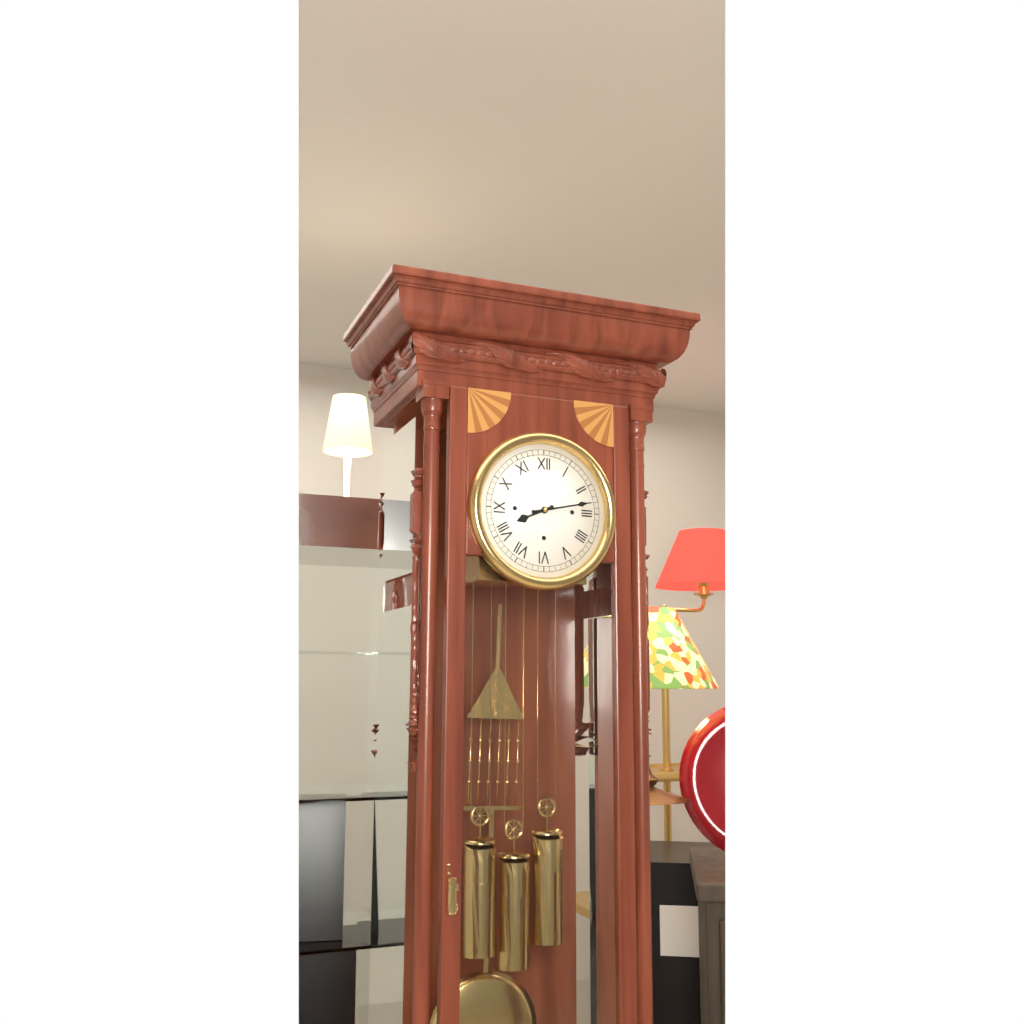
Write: {"hour": 8, "minute": 13}
